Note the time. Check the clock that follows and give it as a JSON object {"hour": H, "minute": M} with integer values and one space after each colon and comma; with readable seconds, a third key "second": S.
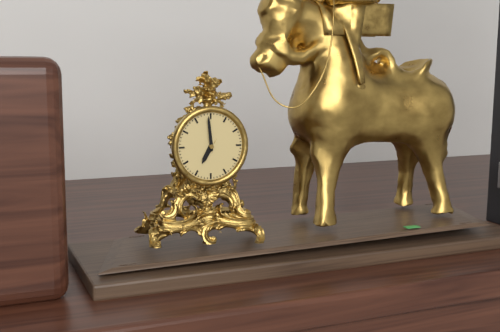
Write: {"hour": 6, "minute": 59}
